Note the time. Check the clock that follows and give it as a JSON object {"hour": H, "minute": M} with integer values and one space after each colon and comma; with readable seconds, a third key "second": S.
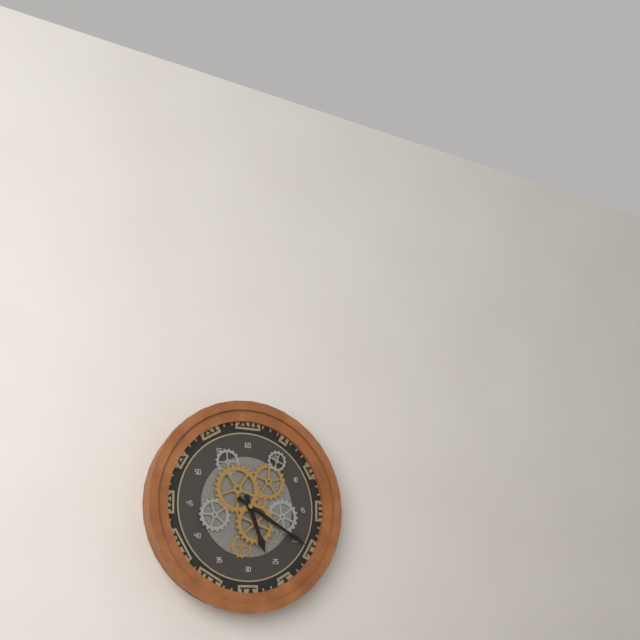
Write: {"hour": 5, "minute": 20}
